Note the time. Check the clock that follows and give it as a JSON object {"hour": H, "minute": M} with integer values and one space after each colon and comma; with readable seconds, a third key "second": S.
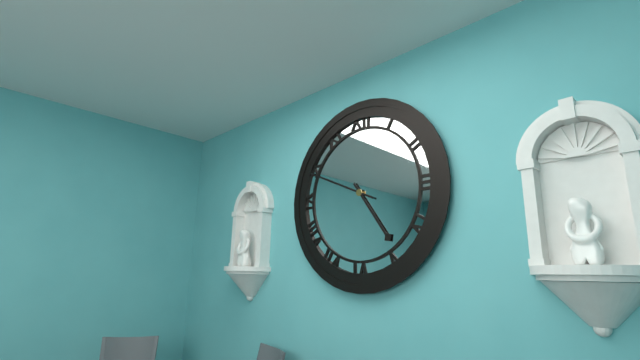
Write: {"hour": 4, "minute": 49}
